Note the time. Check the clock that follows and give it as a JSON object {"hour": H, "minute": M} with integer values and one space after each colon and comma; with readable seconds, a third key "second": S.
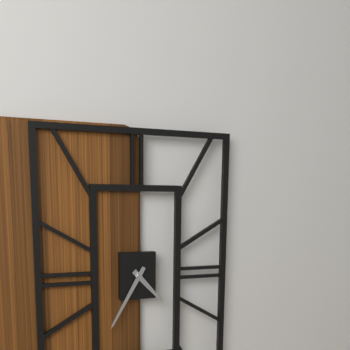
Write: {"hour": 4, "minute": 35}
